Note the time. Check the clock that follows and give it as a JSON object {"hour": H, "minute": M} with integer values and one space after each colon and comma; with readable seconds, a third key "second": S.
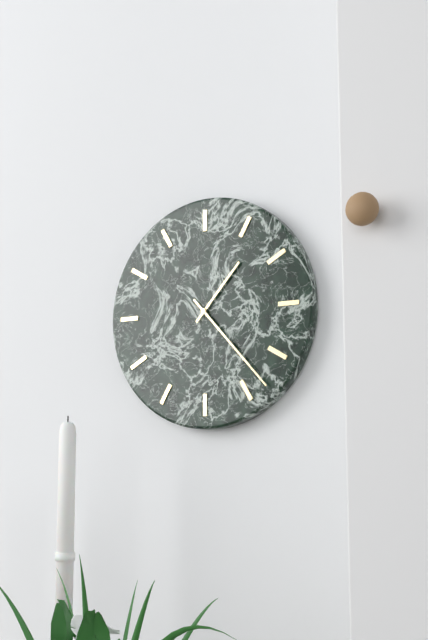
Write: {"hour": 1, "minute": 23}
